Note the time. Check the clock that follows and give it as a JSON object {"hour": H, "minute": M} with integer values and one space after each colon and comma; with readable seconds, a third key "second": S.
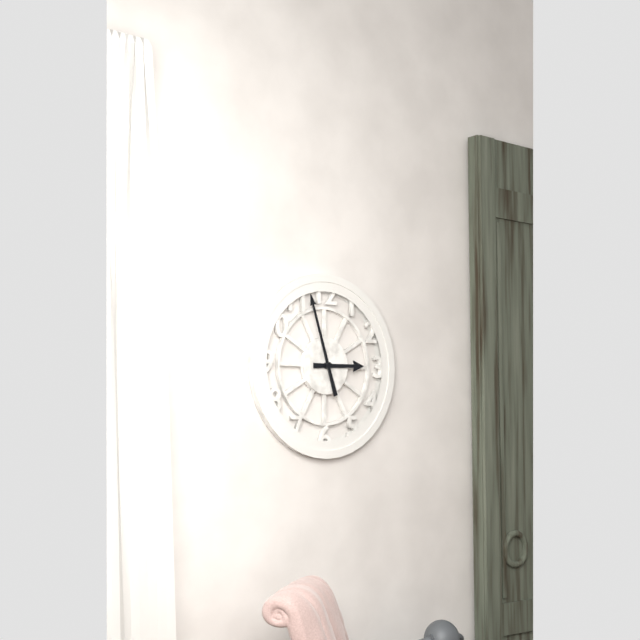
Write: {"hour": 2, "minute": 57}
